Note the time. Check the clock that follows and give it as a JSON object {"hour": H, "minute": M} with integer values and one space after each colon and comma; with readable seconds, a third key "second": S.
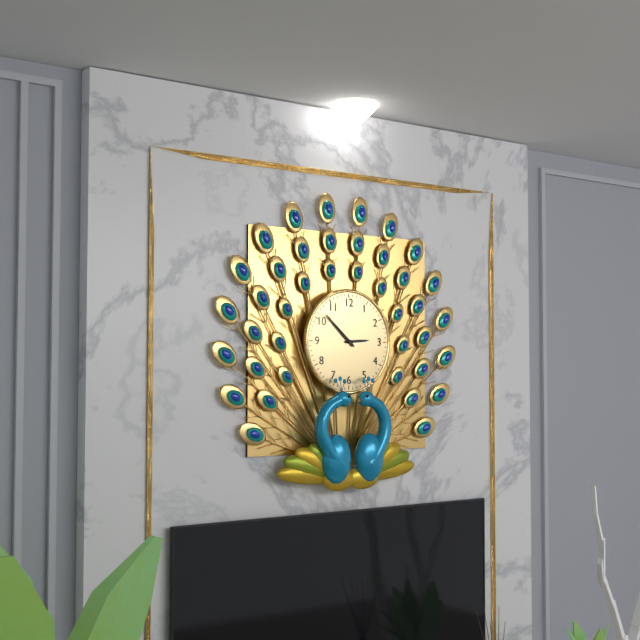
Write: {"hour": 2, "minute": 52}
